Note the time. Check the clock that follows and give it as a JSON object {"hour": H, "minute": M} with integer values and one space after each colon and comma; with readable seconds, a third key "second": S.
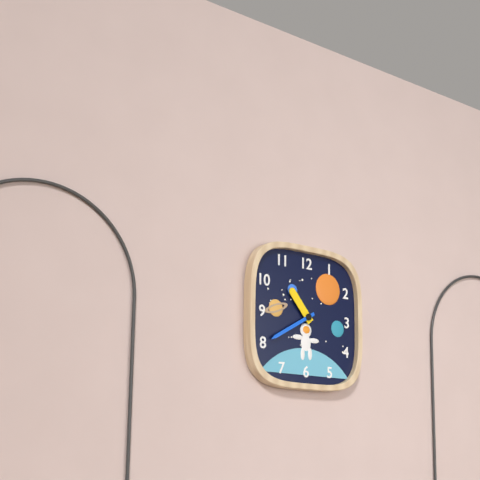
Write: {"hour": 10, "minute": 40}
